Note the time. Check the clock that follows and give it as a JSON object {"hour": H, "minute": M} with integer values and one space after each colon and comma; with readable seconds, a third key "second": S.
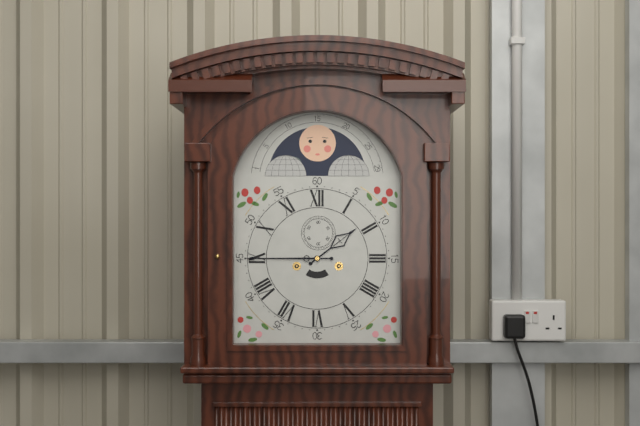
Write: {"hour": 1, "minute": 45}
